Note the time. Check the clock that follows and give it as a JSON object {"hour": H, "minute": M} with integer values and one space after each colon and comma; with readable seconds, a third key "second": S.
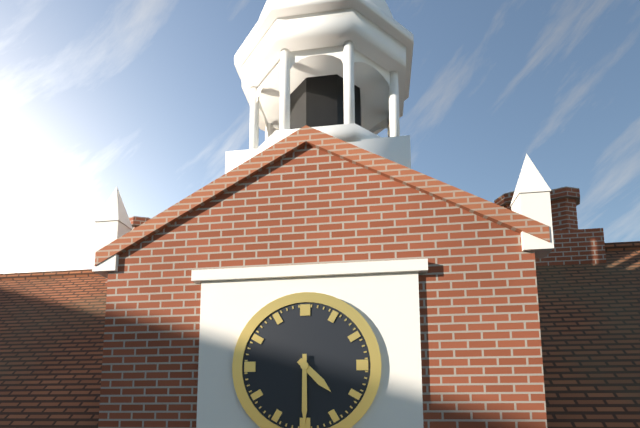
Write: {"hour": 4, "minute": 30}
